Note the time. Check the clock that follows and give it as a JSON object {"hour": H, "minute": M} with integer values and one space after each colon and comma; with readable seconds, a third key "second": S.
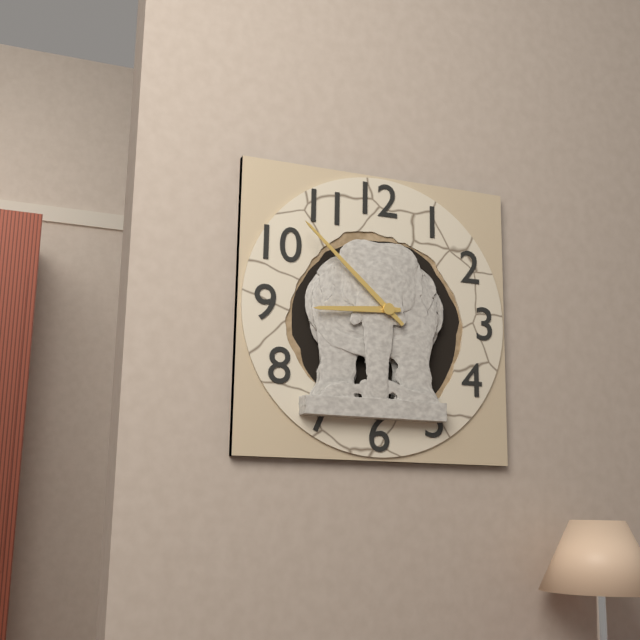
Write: {"hour": 8, "minute": 52}
